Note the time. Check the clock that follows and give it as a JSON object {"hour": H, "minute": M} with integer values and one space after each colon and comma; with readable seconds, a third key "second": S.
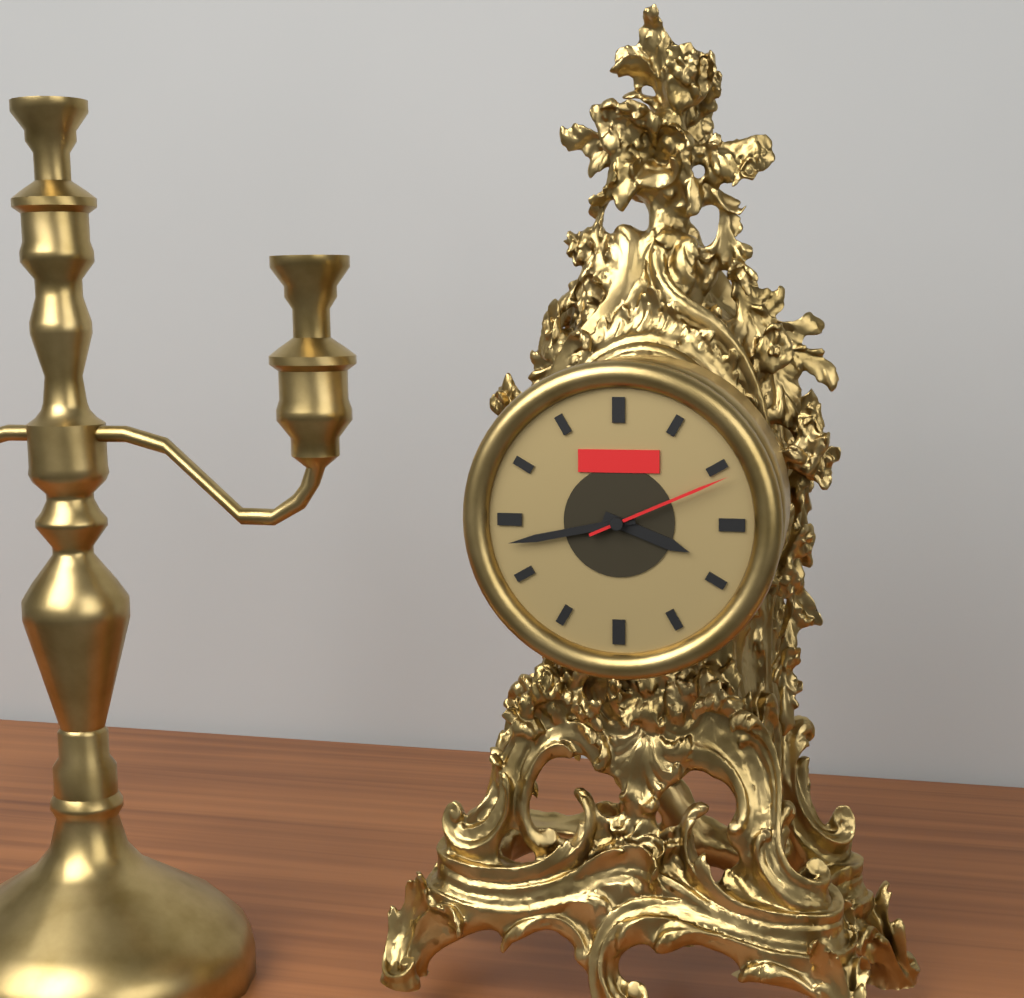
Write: {"hour": 3, "minute": 43, "second": 11}
